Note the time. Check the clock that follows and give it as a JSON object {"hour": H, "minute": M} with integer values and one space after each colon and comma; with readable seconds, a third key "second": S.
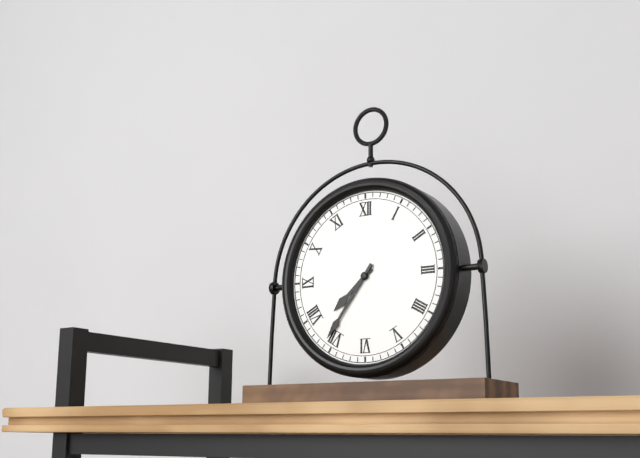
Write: {"hour": 7, "minute": 36}
